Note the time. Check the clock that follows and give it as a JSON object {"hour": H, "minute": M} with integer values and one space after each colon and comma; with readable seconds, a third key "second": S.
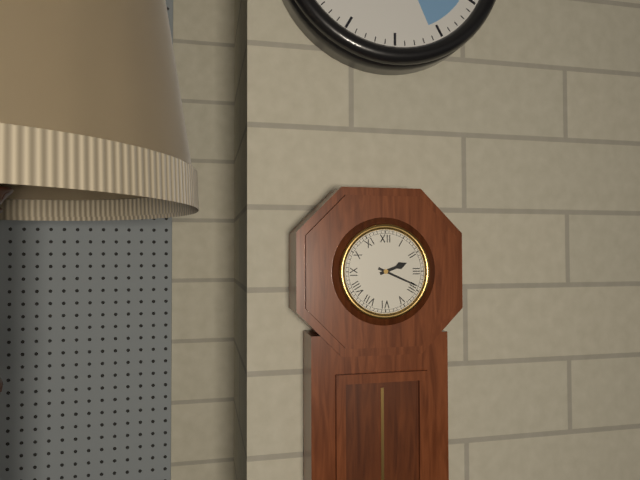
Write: {"hour": 2, "minute": 19}
